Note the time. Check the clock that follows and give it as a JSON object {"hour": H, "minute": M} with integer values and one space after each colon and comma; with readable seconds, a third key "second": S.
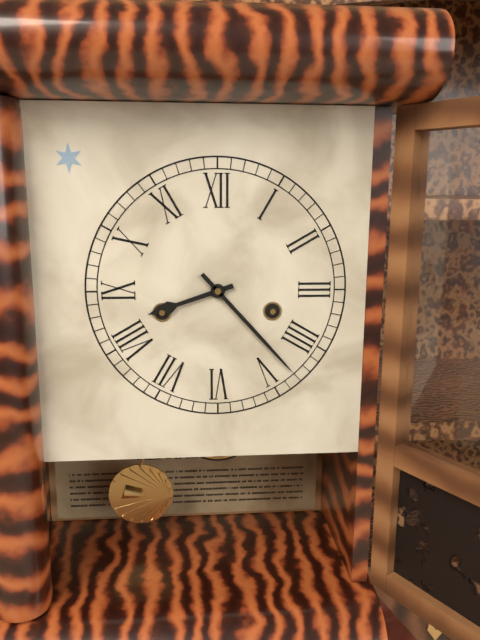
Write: {"hour": 8, "minute": 23}
